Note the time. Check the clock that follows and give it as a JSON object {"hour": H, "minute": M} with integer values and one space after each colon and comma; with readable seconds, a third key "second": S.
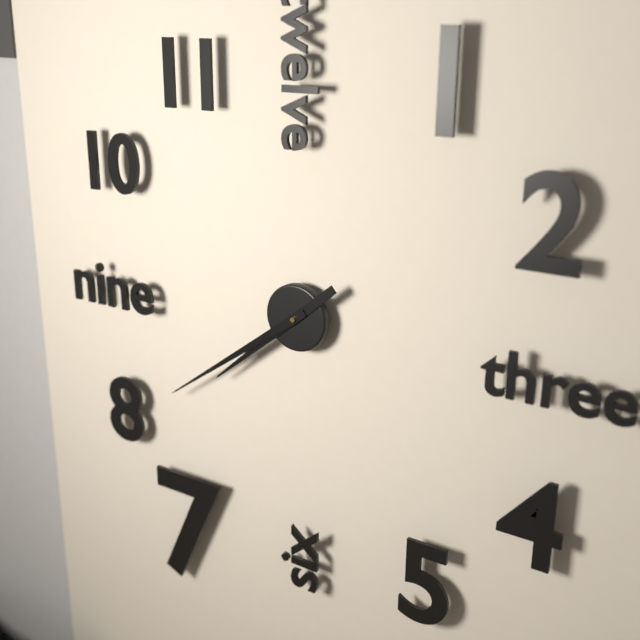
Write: {"hour": 7, "minute": 39}
